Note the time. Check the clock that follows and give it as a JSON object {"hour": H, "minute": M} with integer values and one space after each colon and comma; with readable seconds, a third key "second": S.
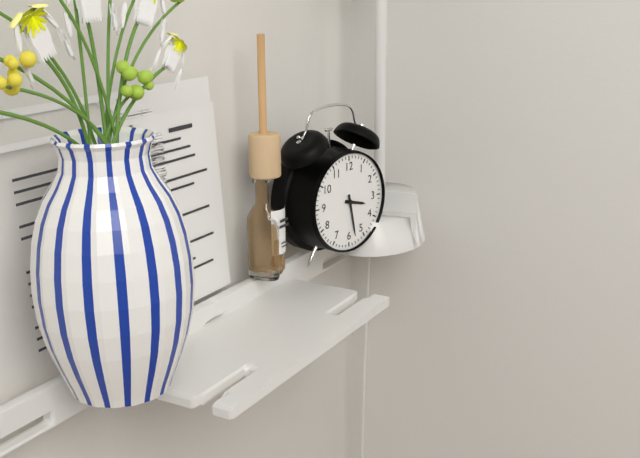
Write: {"hour": 3, "minute": 28}
